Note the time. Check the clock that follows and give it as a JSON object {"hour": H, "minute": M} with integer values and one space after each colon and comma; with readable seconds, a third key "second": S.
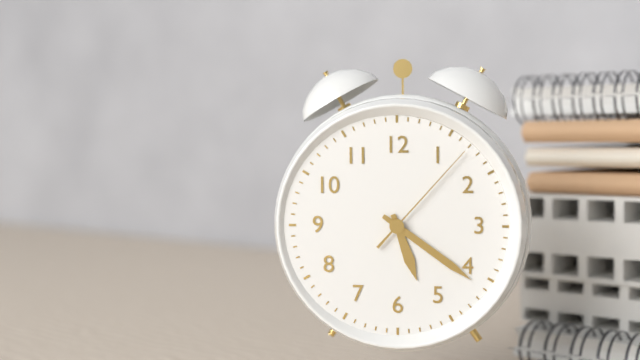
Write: {"hour": 5, "minute": 21, "second": 7}
